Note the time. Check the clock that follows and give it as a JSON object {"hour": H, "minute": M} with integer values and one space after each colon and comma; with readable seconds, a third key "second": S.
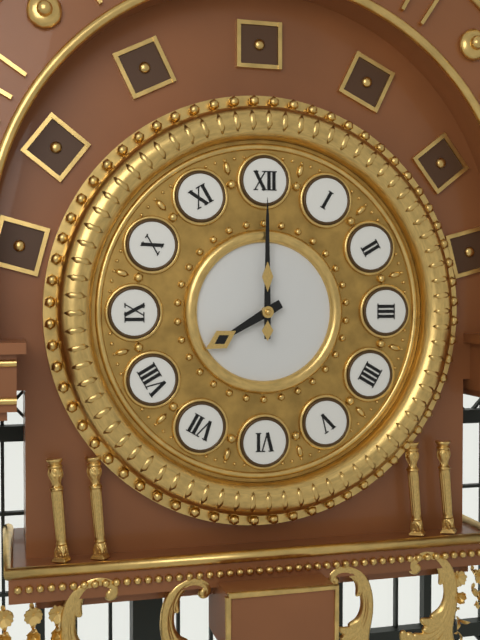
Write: {"hour": 8, "minute": 0}
